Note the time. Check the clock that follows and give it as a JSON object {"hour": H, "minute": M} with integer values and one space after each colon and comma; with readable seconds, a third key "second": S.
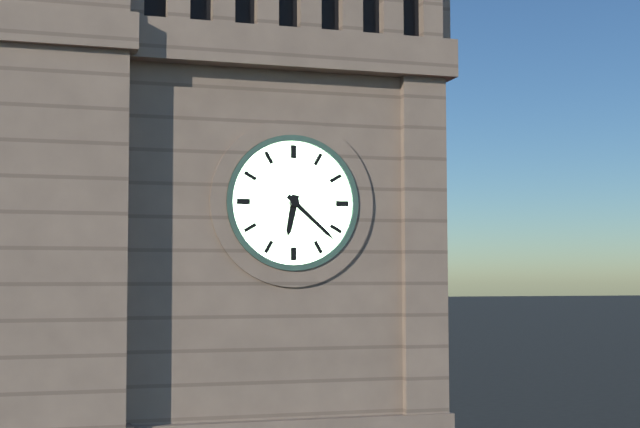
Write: {"hour": 6, "minute": 22}
